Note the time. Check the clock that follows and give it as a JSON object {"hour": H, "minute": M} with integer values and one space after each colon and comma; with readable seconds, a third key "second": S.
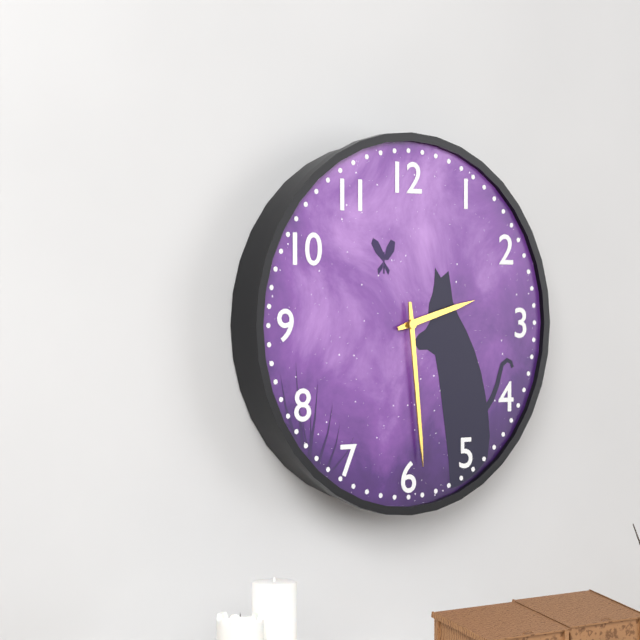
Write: {"hour": 2, "minute": 29}
